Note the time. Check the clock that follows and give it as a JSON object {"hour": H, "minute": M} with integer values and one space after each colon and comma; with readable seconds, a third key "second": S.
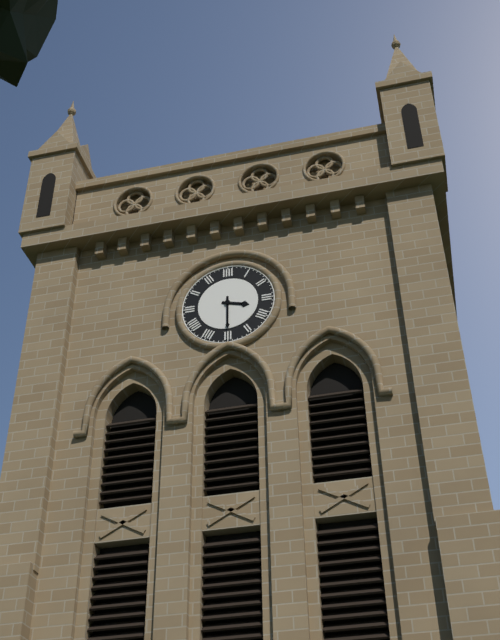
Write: {"hour": 3, "minute": 30}
